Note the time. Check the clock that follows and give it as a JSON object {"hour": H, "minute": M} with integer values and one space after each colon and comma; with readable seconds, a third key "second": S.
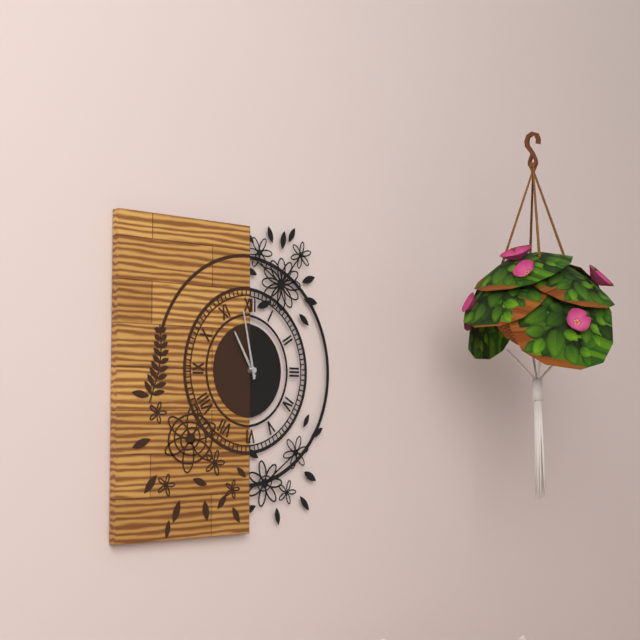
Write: {"hour": 10, "minute": 58}
